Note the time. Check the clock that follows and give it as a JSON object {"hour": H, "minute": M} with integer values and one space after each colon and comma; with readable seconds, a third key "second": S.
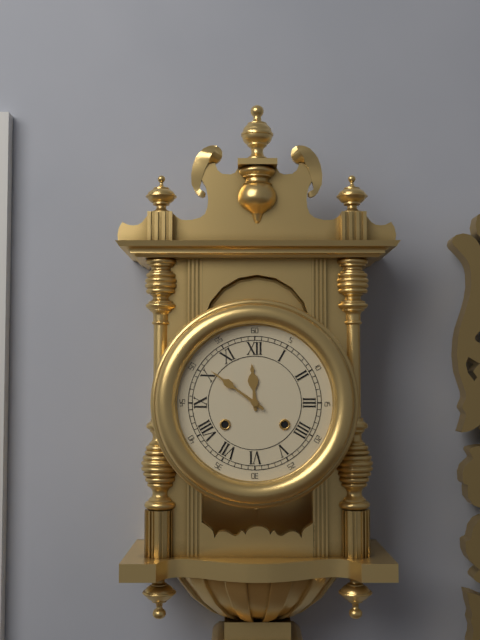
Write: {"hour": 11, "minute": 51}
